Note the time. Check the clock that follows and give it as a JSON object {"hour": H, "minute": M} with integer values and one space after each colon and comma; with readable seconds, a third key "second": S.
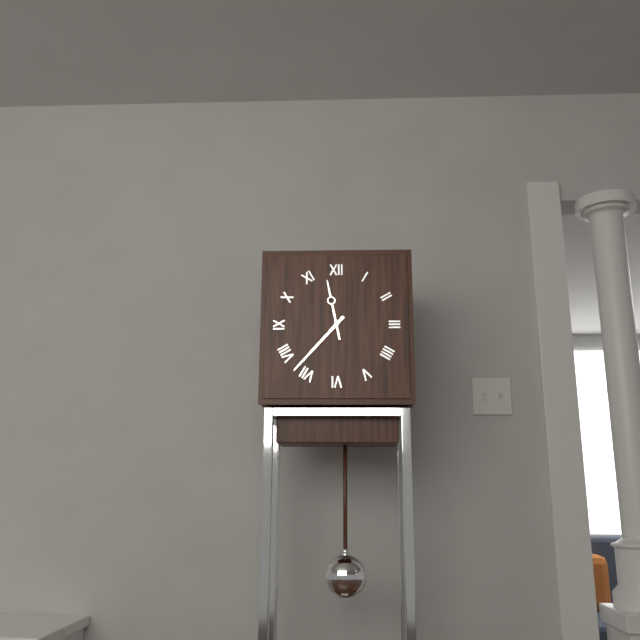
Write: {"hour": 11, "minute": 37}
